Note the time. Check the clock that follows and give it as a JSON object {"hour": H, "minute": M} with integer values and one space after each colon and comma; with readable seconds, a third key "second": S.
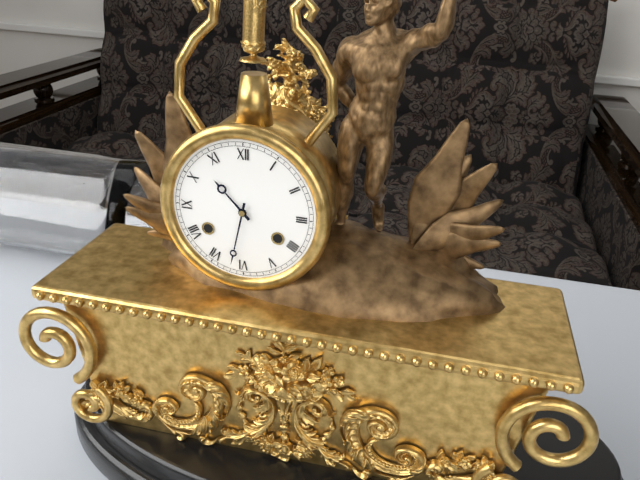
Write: {"hour": 10, "minute": 32}
